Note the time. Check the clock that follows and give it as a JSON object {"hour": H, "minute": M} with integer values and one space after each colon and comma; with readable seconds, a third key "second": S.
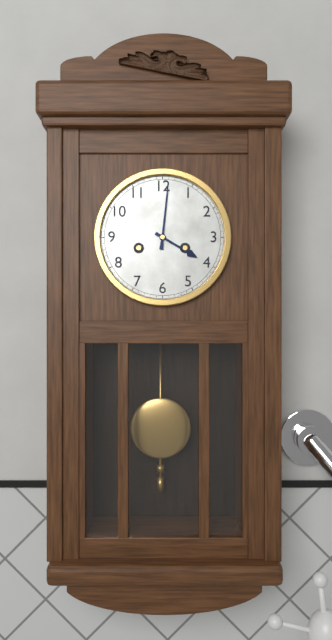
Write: {"hour": 4, "minute": 1}
